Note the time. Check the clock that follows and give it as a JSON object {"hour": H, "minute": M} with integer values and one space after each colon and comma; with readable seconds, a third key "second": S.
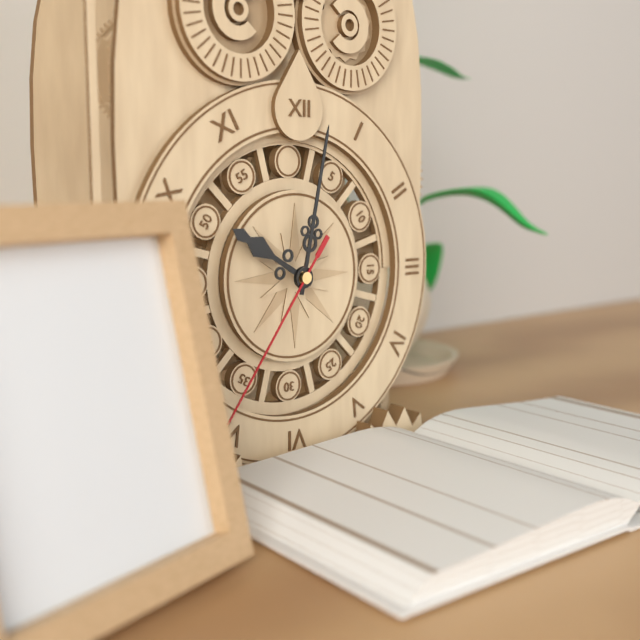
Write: {"hour": 10, "minute": 2, "second": 36}
